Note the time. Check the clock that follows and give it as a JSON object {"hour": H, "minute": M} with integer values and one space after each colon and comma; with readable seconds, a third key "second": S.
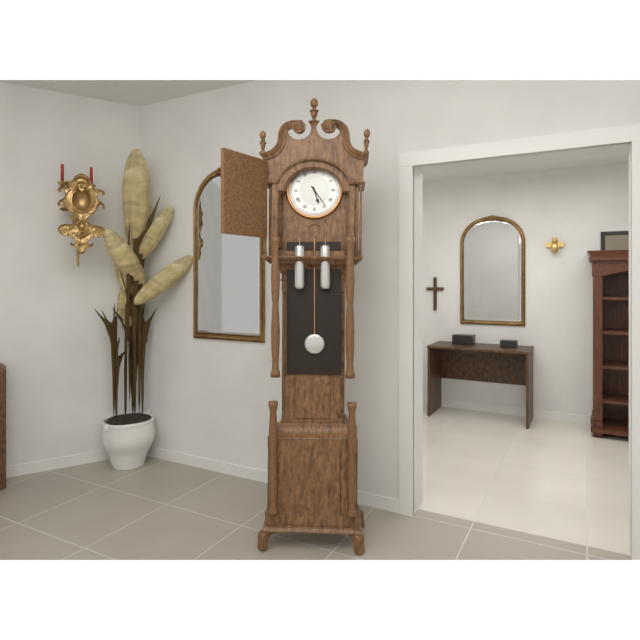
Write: {"hour": 5, "minute": 24}
